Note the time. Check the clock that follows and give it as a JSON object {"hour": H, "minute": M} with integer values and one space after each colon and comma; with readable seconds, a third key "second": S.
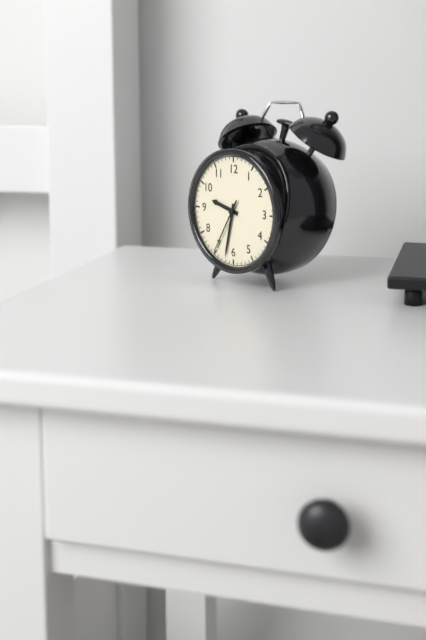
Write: {"hour": 9, "minute": 32, "second": 35}
